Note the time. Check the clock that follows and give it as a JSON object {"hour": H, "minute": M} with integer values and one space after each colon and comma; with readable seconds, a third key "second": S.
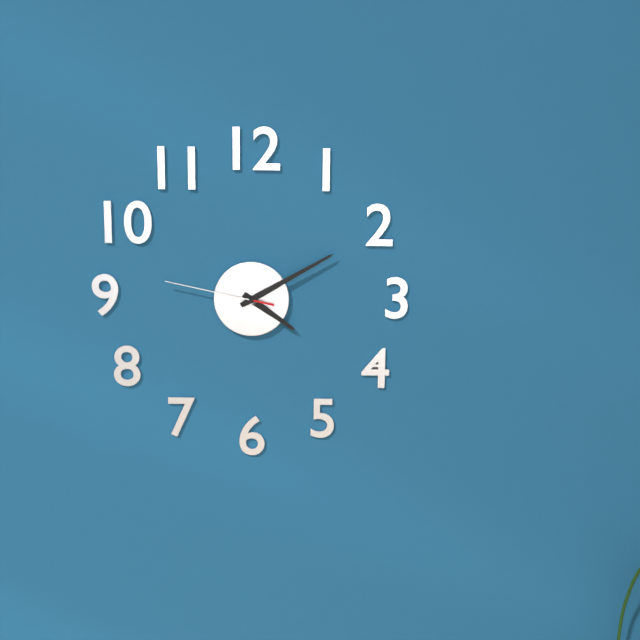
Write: {"hour": 4, "minute": 10, "second": 47}
